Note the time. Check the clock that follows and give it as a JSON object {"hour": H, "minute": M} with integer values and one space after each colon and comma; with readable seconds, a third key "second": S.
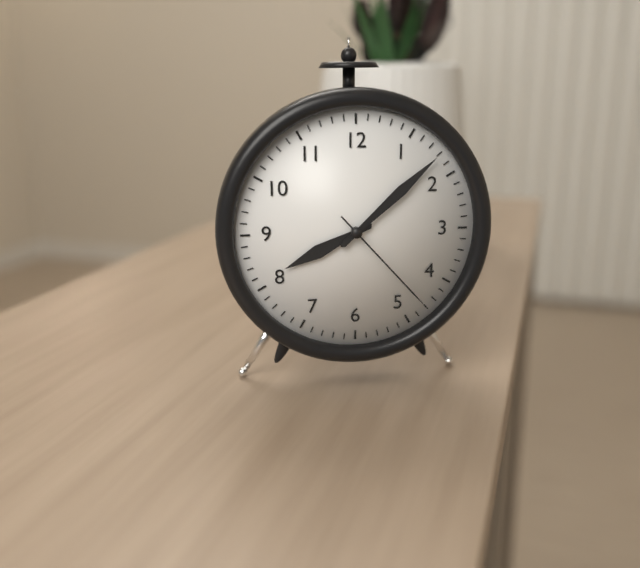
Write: {"hour": 8, "minute": 8, "second": 23}
